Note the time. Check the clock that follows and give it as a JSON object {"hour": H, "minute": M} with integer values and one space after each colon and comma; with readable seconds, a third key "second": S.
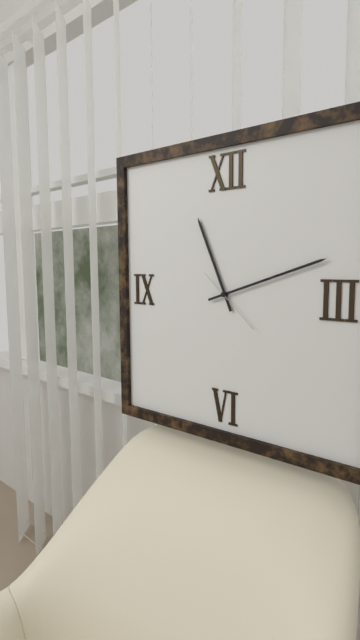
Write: {"hour": 11, "minute": 12, "second": 22}
